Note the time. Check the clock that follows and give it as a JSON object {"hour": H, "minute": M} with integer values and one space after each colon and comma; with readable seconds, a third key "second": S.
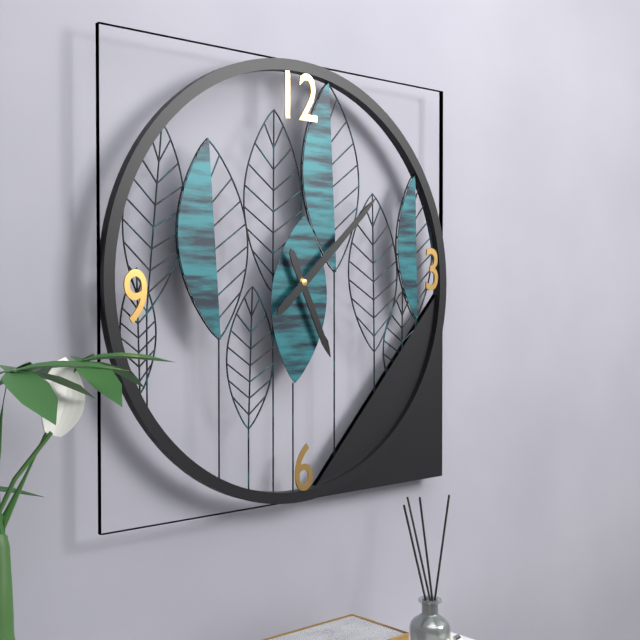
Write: {"hour": 5, "minute": 8}
